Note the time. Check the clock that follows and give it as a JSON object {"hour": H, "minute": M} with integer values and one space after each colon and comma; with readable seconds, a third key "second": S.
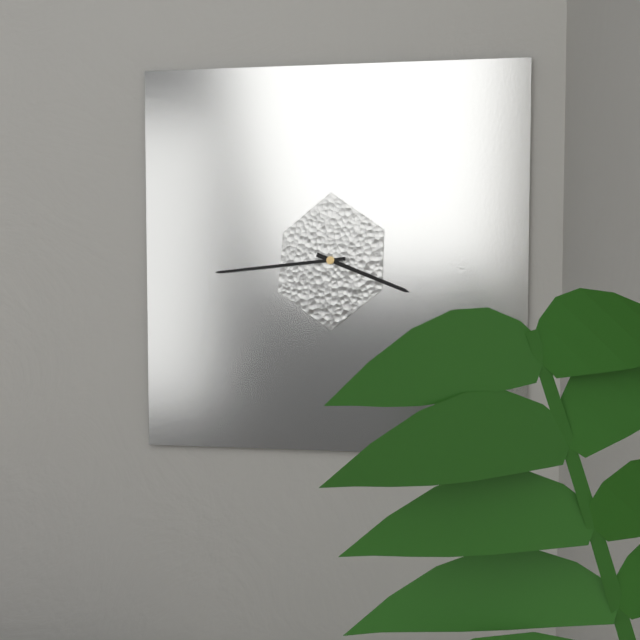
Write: {"hour": 3, "minute": 44}
